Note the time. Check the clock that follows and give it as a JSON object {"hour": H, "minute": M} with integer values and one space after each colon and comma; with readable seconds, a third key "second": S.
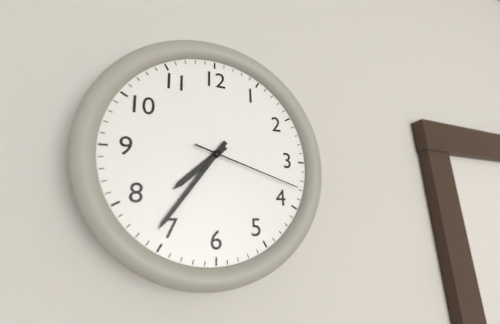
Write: {"hour": 7, "minute": 36, "second": 18}
